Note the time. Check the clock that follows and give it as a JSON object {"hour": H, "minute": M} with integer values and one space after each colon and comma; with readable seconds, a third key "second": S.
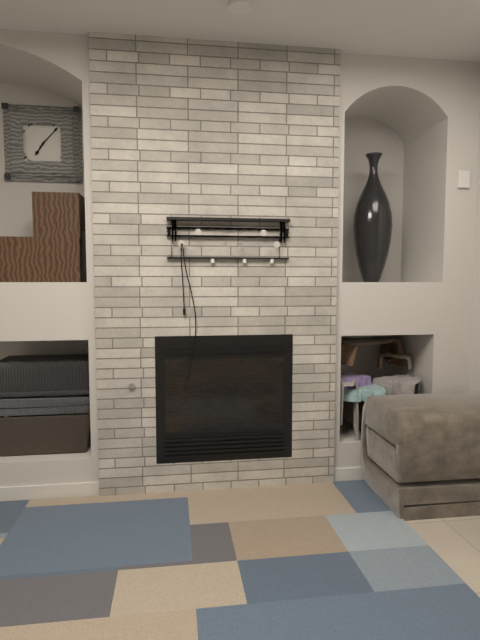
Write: {"hour": 7, "minute": 7}
